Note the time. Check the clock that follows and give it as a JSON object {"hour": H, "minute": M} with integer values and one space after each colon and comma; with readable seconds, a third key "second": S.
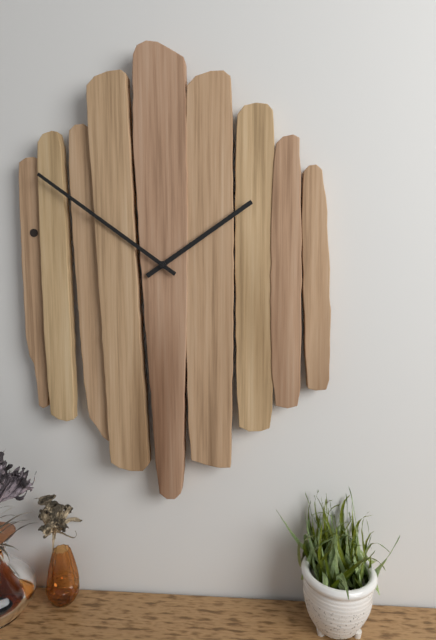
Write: {"hour": 1, "minute": 51}
